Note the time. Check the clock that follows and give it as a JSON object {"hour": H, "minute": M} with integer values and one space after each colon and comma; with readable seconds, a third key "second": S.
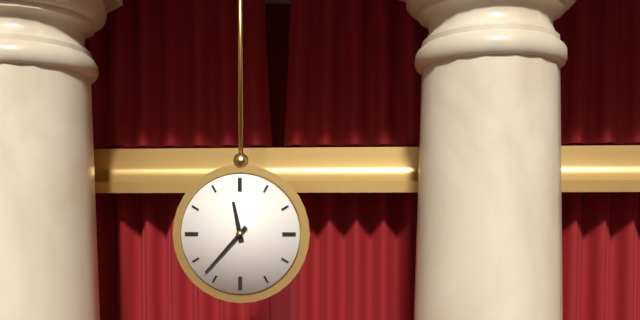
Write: {"hour": 11, "minute": 37}
